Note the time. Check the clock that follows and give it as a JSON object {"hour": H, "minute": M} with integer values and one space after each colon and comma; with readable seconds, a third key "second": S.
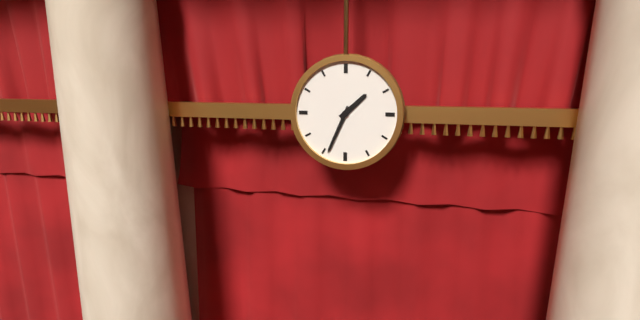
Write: {"hour": 1, "minute": 34}
